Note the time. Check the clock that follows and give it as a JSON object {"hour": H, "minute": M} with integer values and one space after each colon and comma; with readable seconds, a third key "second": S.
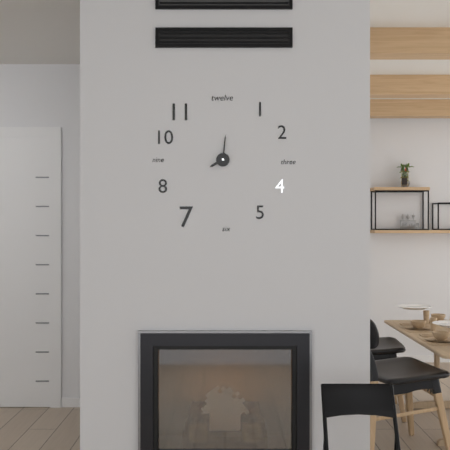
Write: {"hour": 8, "minute": 1}
